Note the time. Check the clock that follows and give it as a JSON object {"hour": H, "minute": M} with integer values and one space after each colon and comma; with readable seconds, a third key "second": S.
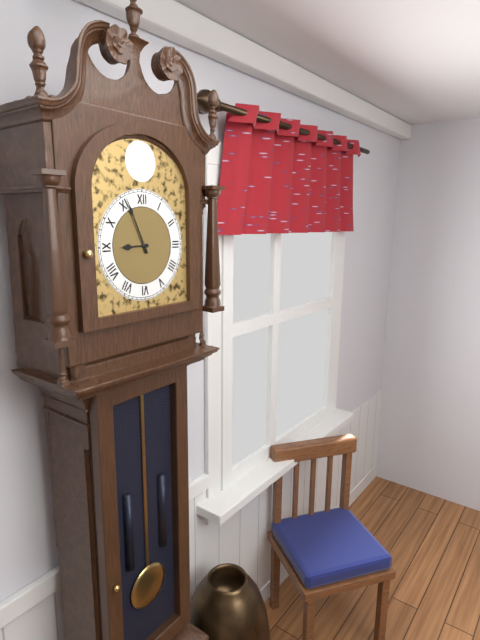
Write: {"hour": 8, "minute": 56}
